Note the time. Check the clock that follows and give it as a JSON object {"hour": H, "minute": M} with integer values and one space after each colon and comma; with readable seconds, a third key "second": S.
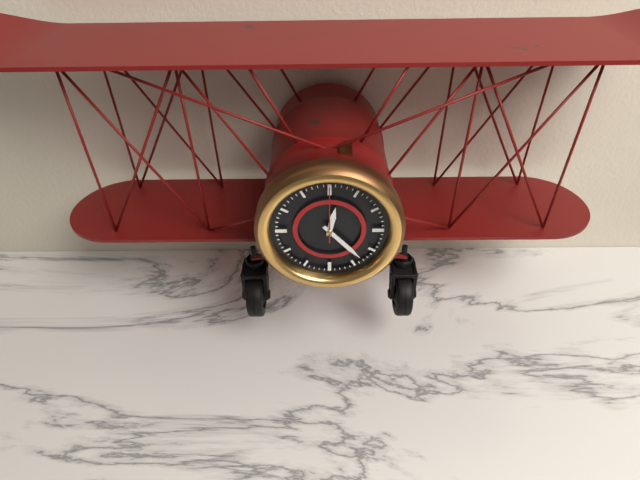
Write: {"hour": 12, "minute": 23, "second": 0}
